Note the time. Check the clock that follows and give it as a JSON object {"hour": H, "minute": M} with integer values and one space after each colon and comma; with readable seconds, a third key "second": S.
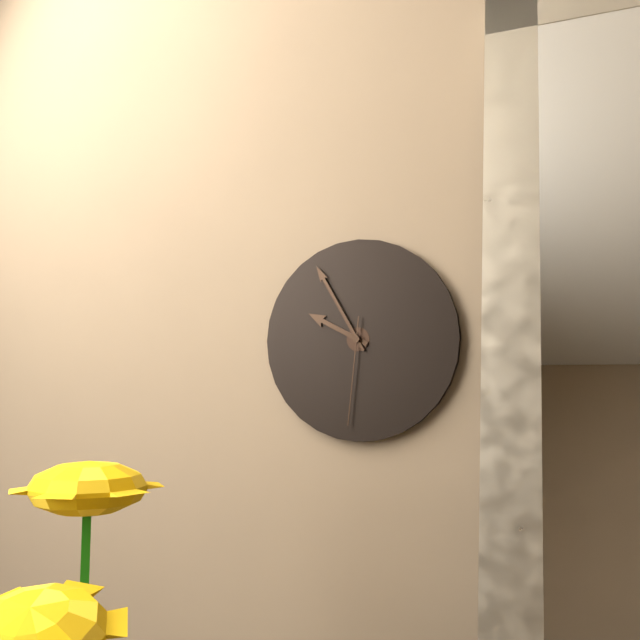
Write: {"hour": 9, "minute": 55, "second": 31}
